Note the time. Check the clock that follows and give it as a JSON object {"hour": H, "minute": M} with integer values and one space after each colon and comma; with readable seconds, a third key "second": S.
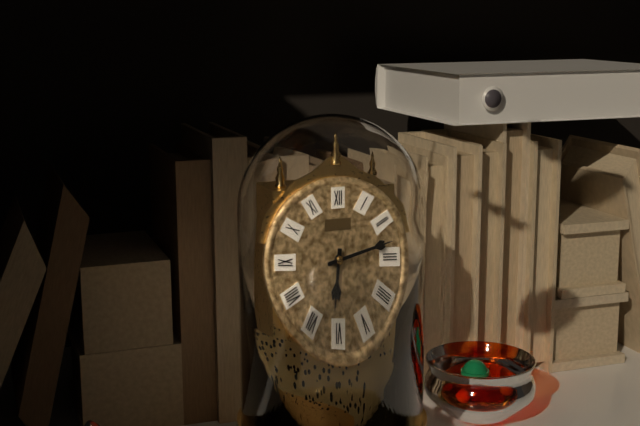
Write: {"hour": 6, "minute": 13}
